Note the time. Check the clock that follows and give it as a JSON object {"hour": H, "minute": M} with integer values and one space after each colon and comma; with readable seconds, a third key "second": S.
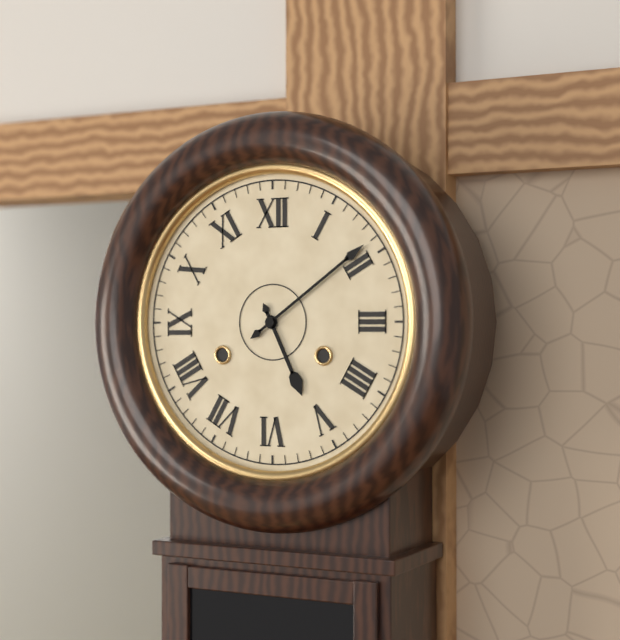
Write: {"hour": 5, "minute": 9}
